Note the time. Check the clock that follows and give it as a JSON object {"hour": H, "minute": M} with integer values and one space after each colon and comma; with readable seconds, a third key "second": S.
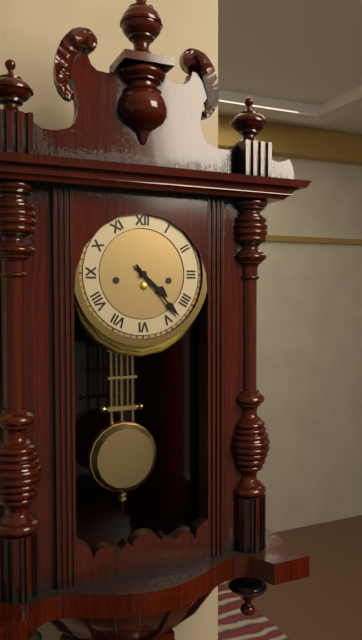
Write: {"hour": 4, "minute": 23}
